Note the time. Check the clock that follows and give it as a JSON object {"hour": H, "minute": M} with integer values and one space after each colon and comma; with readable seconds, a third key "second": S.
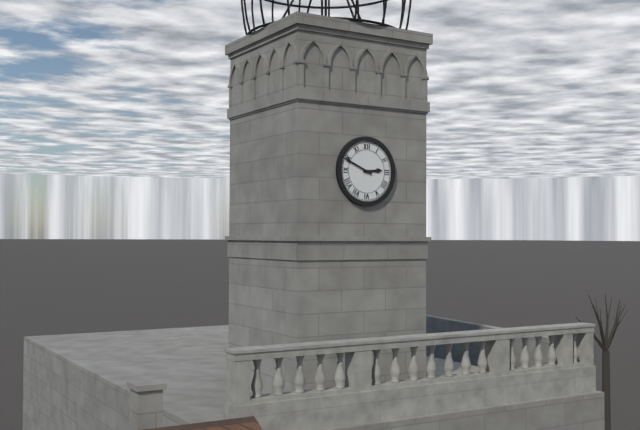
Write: {"hour": 2, "minute": 49}
